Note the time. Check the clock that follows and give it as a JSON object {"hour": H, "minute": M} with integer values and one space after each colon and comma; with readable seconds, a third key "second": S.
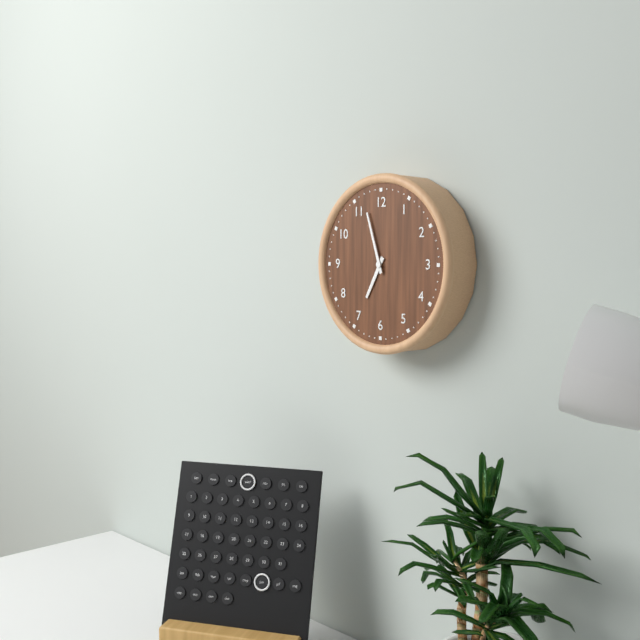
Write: {"hour": 6, "minute": 57}
